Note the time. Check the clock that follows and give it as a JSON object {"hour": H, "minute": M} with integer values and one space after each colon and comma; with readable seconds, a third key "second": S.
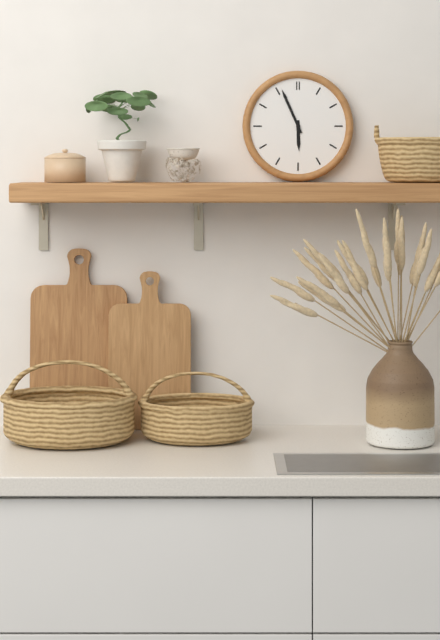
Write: {"hour": 5, "minute": 56}
